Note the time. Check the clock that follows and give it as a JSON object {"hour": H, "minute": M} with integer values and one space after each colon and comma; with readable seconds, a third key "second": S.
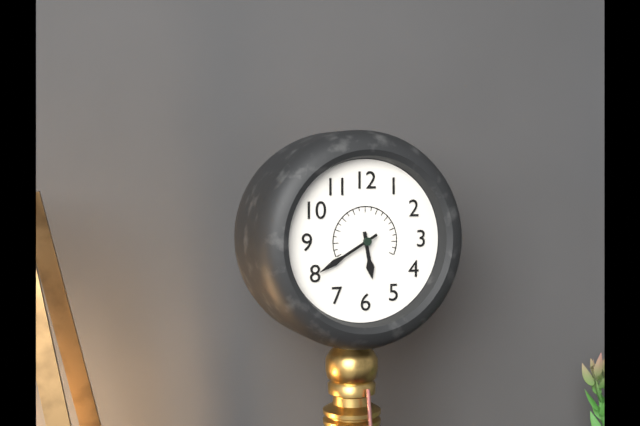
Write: {"hour": 5, "minute": 40}
